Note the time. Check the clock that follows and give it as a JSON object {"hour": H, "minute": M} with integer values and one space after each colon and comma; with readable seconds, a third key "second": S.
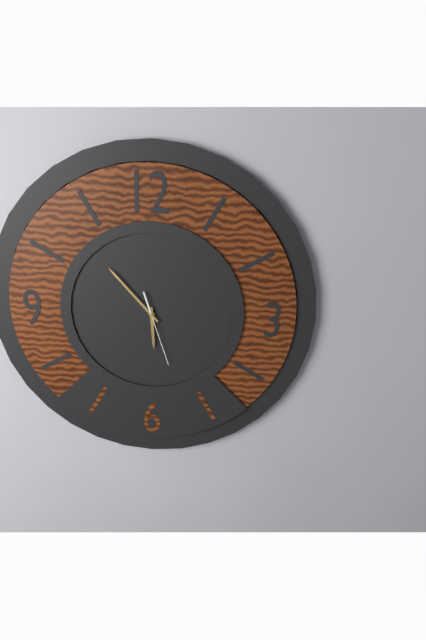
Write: {"hour": 5, "minute": 53, "second": 27}
